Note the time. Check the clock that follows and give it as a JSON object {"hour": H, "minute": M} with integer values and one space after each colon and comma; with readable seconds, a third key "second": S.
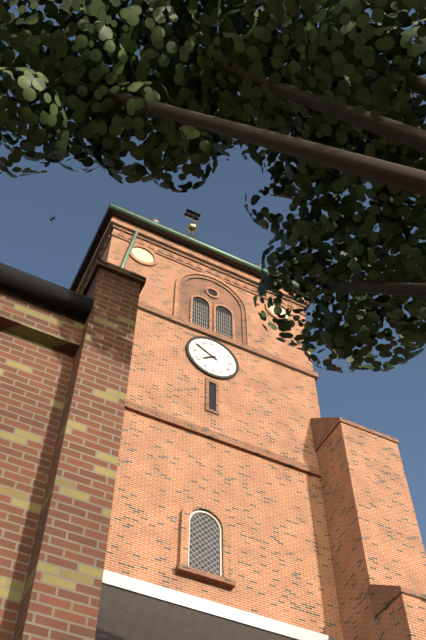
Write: {"hour": 7, "minute": 50}
